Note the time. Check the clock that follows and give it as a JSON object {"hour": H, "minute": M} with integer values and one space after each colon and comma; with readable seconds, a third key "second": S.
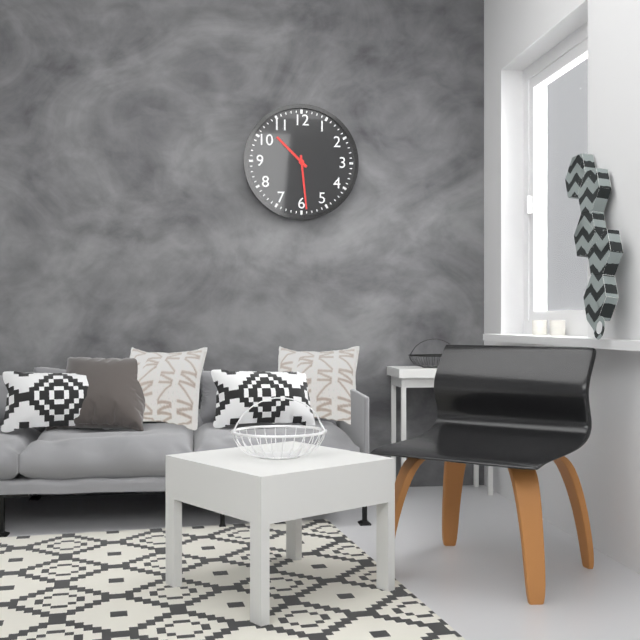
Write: {"hour": 10, "minute": 29}
